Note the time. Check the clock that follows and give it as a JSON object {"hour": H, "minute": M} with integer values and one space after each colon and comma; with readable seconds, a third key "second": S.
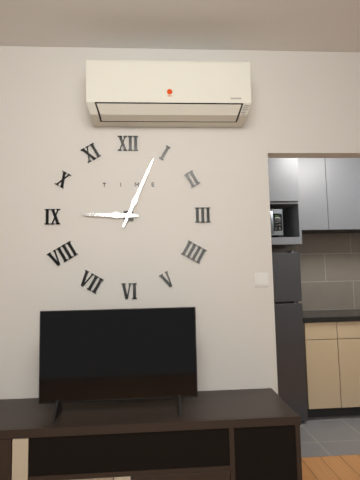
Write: {"hour": 9, "minute": 4}
